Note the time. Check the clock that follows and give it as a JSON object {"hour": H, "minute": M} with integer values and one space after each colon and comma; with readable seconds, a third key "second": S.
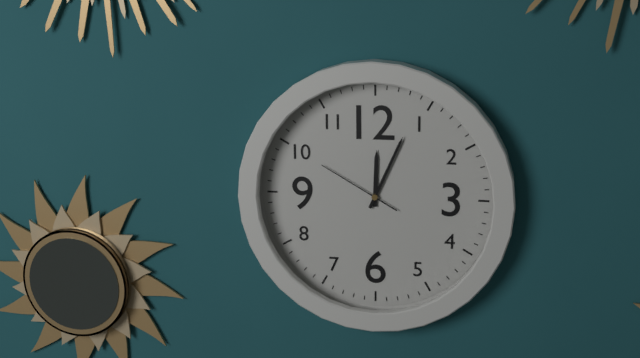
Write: {"hour": 12, "minute": 4, "second": 50}
